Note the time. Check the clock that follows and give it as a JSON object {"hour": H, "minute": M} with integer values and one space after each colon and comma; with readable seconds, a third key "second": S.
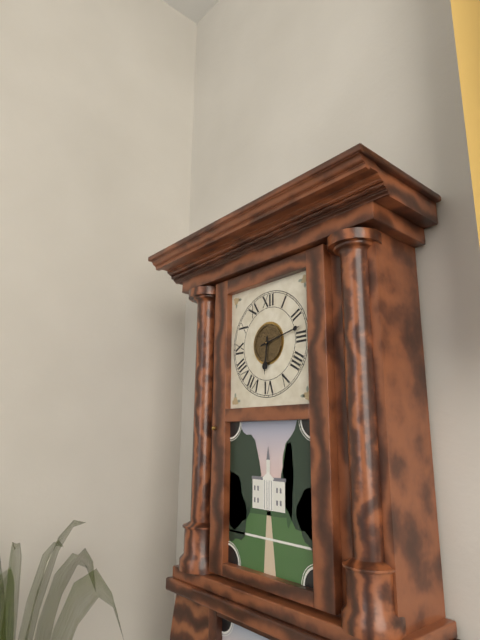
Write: {"hour": 6, "minute": 13}
